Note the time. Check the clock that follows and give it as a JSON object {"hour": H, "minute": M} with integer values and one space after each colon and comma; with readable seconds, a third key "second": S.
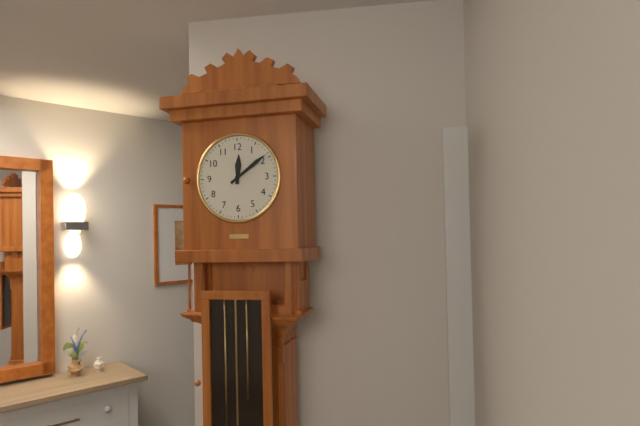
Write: {"hour": 12, "minute": 9}
